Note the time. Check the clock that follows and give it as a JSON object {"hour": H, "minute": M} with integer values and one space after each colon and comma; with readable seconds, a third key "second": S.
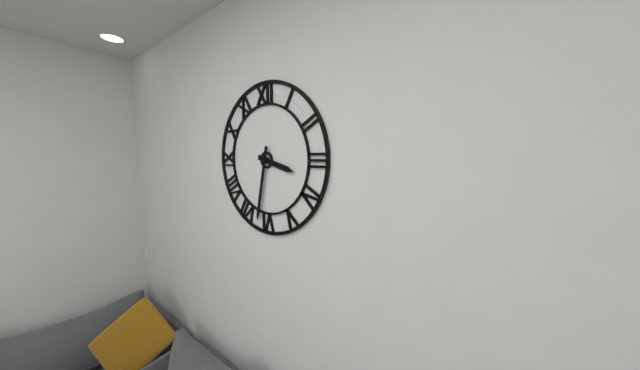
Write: {"hour": 3, "minute": 32}
